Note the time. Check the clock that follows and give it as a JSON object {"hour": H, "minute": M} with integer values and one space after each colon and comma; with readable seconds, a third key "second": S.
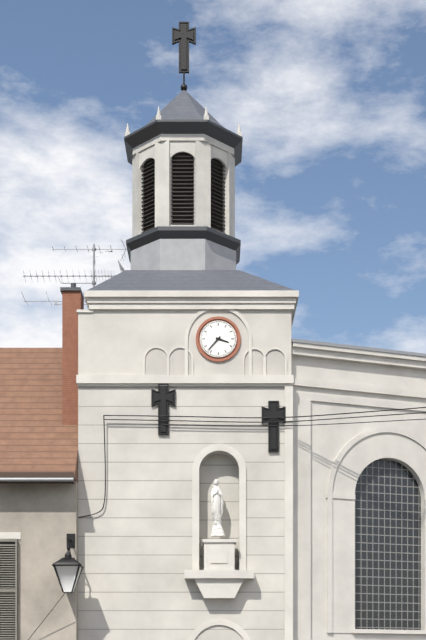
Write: {"hour": 3, "minute": 37}
